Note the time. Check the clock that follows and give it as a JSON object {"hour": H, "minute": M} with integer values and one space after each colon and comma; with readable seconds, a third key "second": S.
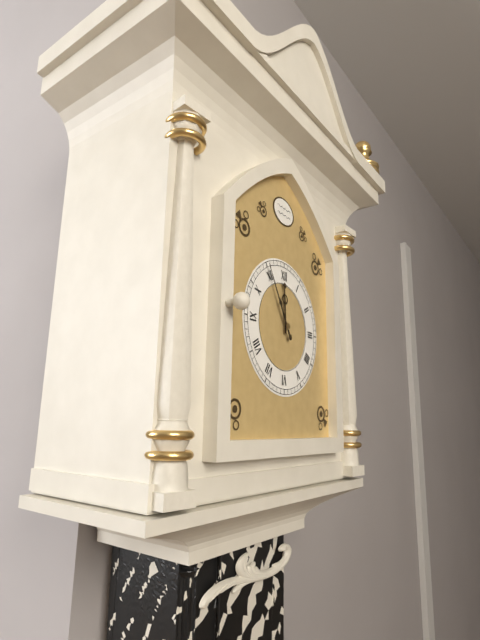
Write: {"hour": 11, "minute": 55}
